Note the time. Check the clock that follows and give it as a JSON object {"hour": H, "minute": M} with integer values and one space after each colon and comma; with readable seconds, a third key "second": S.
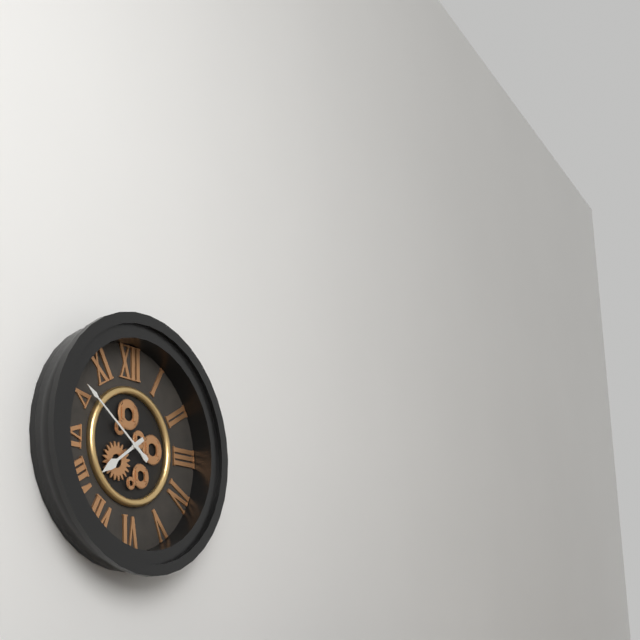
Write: {"hour": 7, "minute": 51}
